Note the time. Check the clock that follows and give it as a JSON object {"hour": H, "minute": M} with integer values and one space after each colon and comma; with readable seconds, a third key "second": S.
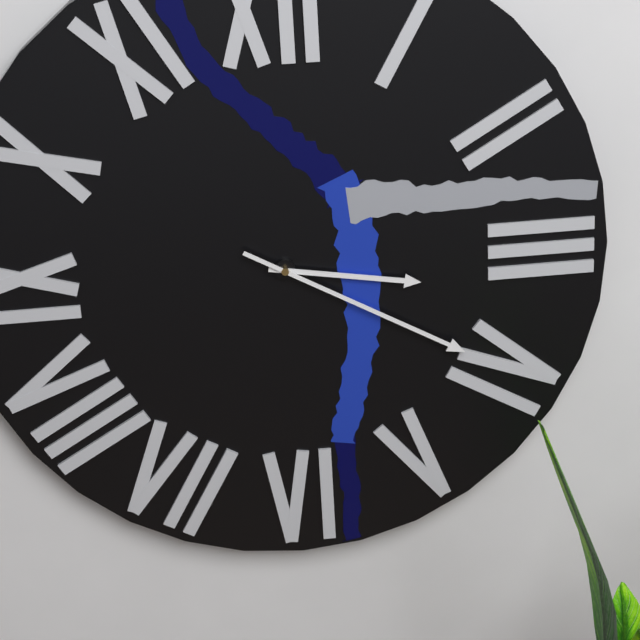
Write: {"hour": 3, "minute": 20}
